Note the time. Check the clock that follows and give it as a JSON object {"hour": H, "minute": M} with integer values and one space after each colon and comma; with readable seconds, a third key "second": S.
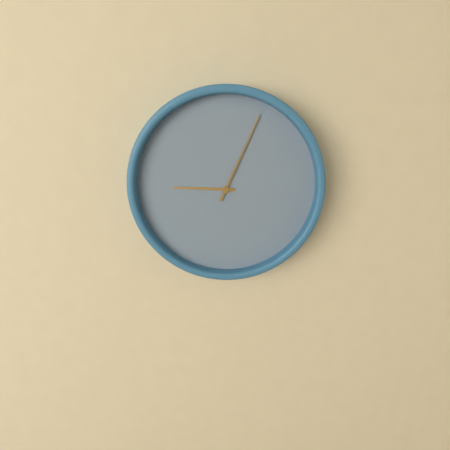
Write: {"hour": 9, "minute": 4}
